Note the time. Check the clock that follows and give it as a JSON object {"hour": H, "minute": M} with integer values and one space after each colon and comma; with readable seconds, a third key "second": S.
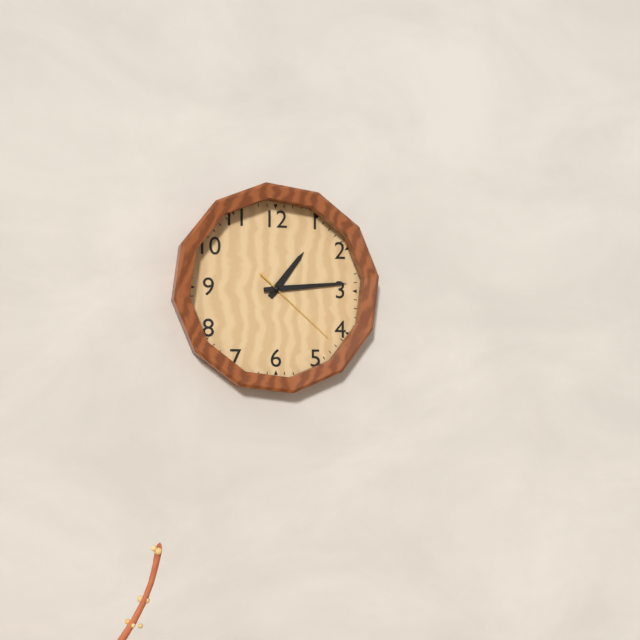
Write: {"hour": 1, "minute": 14, "second": 22}
